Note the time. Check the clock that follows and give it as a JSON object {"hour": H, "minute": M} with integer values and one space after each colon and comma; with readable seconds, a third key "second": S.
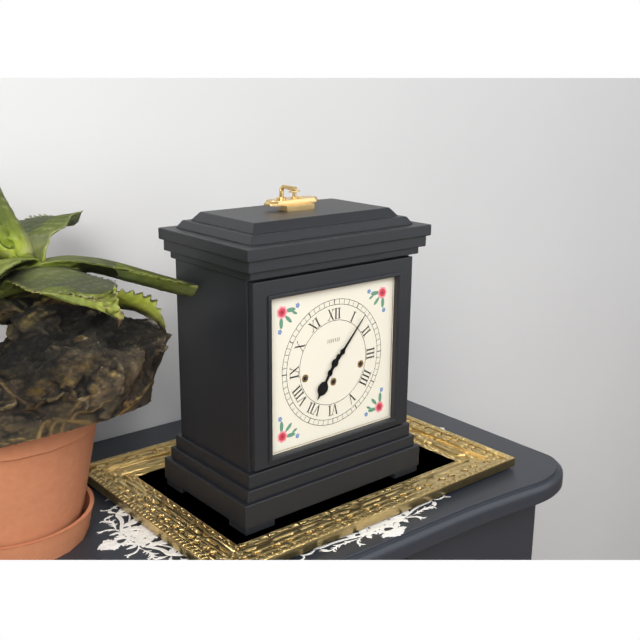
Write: {"hour": 7, "minute": 7}
